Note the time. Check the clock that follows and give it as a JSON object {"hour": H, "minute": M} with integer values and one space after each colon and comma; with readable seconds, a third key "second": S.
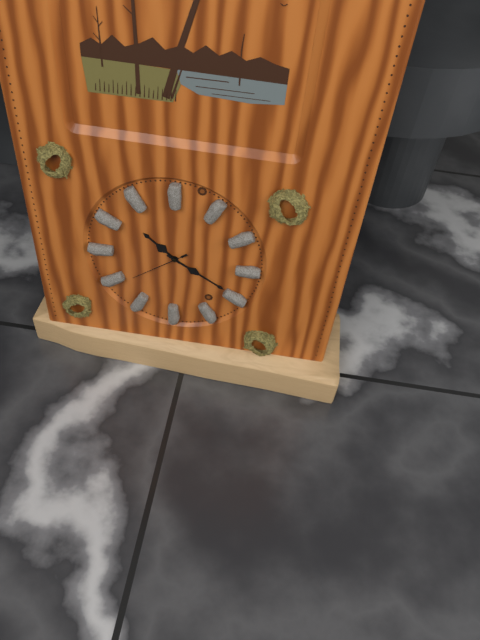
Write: {"hour": 10, "minute": 20, "second": 39}
